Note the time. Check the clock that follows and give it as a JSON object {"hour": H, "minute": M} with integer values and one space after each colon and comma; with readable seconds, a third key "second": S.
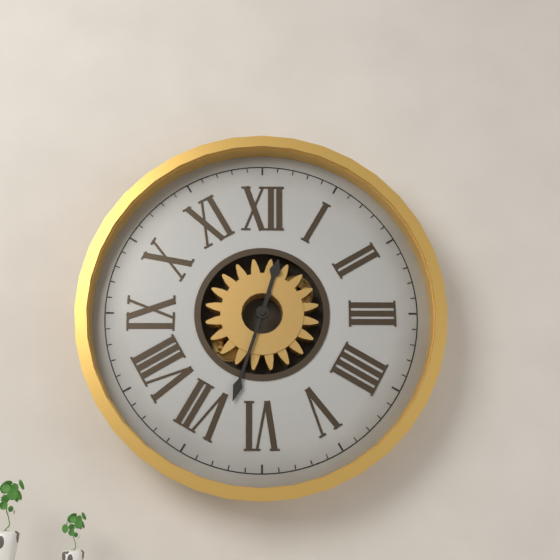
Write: {"hour": 12, "minute": 33}
